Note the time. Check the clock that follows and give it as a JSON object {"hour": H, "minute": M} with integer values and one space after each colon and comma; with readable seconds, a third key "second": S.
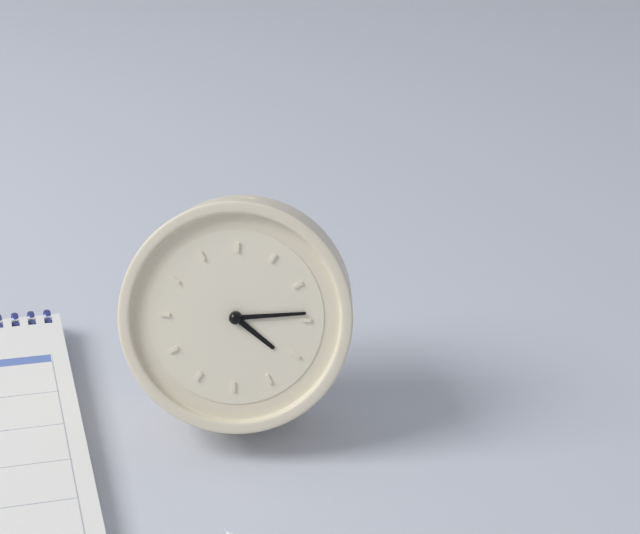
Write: {"hour": 4, "minute": 14}
